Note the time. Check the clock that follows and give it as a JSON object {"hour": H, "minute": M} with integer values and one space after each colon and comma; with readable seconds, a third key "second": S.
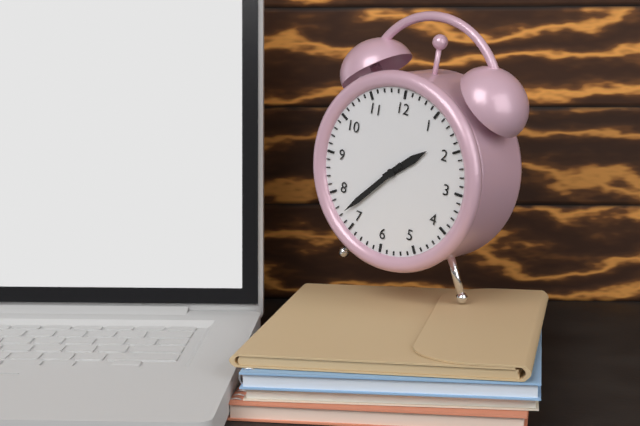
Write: {"hour": 1, "minute": 37}
